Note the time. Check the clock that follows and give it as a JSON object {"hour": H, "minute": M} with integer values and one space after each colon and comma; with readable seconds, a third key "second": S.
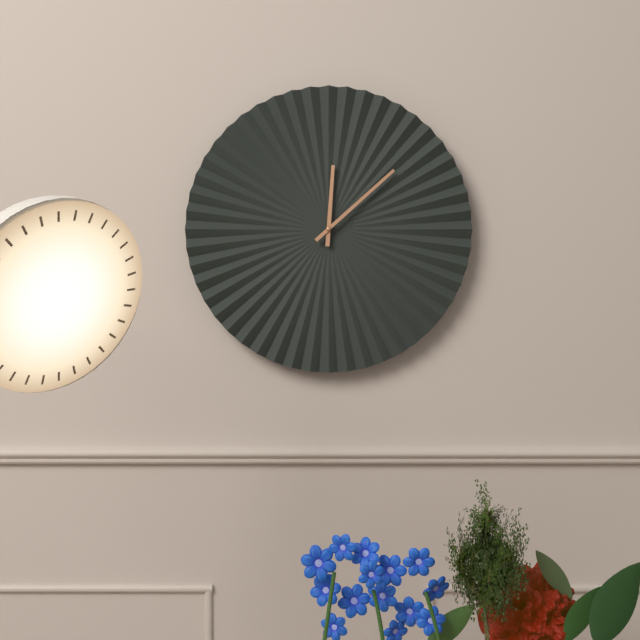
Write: {"hour": 12, "minute": 8}
